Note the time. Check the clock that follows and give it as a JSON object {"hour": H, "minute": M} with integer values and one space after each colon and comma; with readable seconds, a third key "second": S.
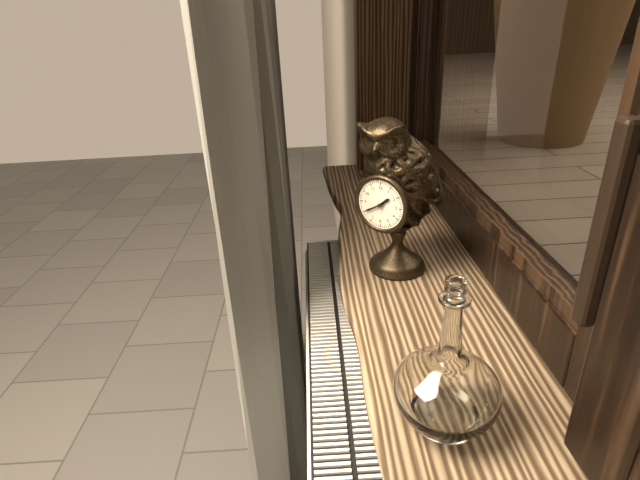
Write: {"hour": 1, "minute": 40}
